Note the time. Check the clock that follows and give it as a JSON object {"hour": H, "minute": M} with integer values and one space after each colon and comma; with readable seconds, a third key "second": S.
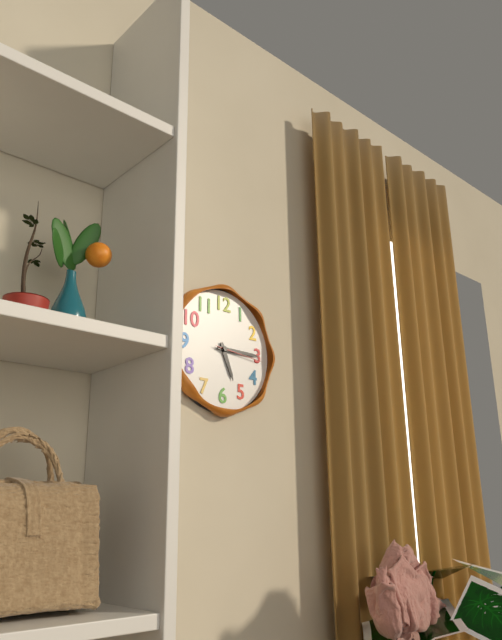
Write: {"hour": 5, "minute": 15, "second": 16}
